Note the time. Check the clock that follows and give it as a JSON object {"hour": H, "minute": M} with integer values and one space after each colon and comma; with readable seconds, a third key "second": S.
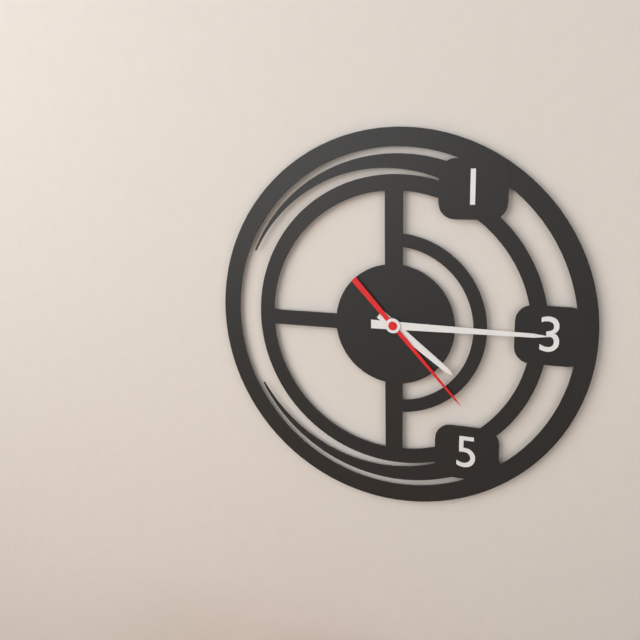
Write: {"hour": 4, "minute": 15, "second": 23}
